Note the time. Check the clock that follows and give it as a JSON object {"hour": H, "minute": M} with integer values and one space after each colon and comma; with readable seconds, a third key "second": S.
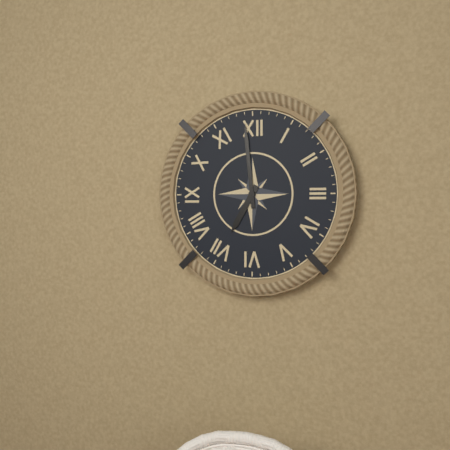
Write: {"hour": 6, "minute": 59}
